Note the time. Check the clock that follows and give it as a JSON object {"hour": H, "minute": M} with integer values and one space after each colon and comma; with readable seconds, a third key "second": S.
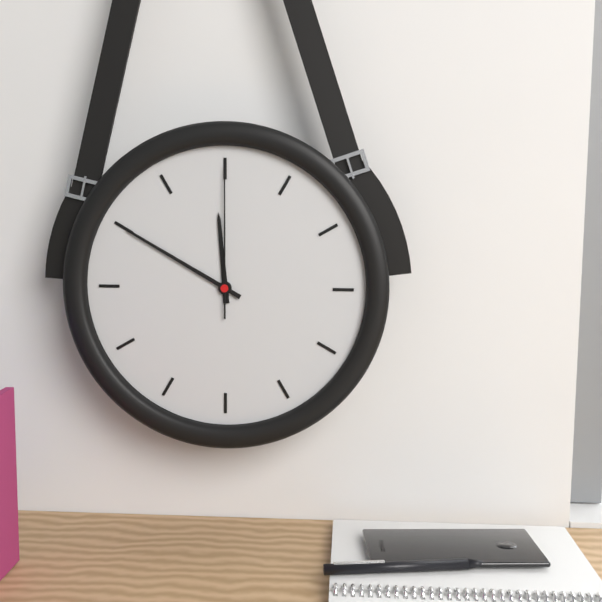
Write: {"hour": 11, "minute": 50, "second": 0}
